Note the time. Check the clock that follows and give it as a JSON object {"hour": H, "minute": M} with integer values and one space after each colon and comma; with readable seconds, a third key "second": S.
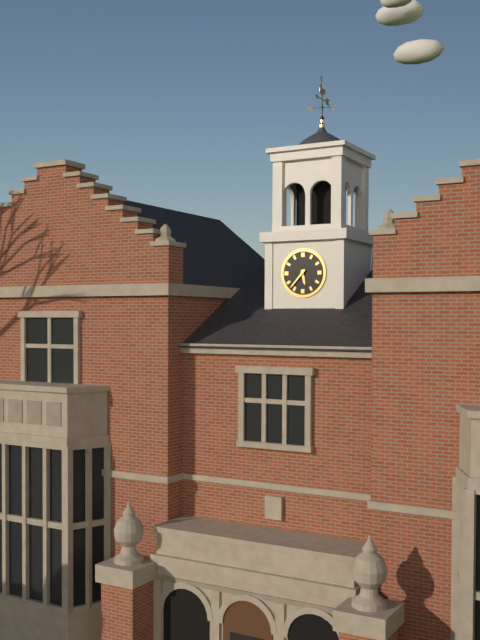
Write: {"hour": 5, "minute": 37}
